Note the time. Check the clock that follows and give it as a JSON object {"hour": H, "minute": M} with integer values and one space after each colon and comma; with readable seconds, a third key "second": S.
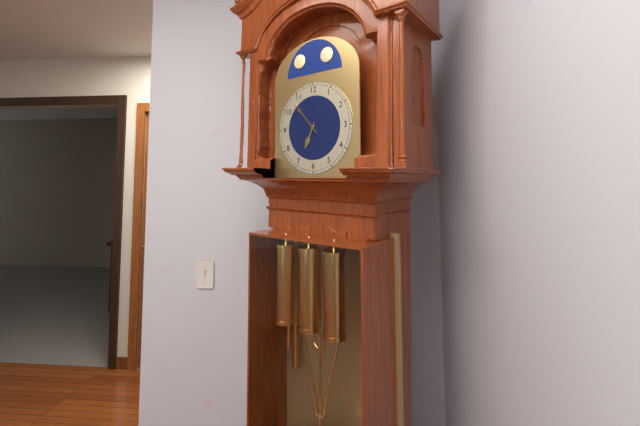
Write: {"hour": 6, "minute": 53}
